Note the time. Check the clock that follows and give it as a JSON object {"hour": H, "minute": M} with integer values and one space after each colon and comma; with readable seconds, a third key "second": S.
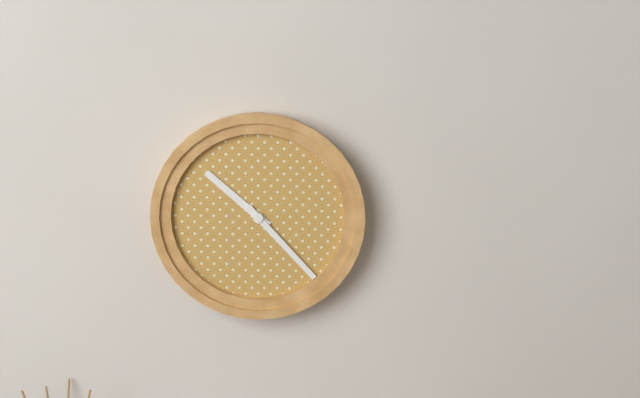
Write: {"hour": 10, "minute": 23}
